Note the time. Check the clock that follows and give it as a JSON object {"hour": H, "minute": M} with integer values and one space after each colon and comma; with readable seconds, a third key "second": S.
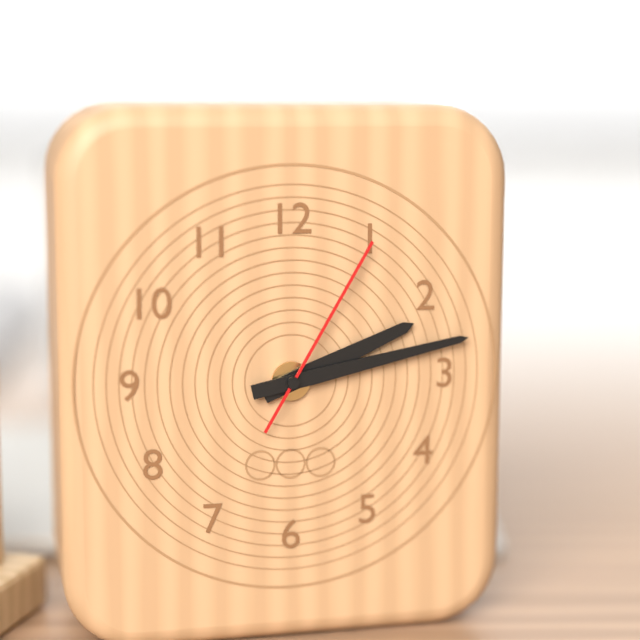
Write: {"hour": 2, "minute": 13, "second": 5}
